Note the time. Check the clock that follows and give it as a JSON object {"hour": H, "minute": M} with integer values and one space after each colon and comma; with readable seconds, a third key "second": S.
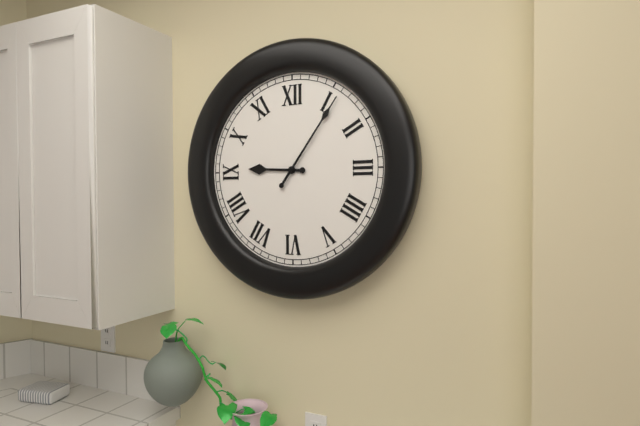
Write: {"hour": 9, "minute": 6}
